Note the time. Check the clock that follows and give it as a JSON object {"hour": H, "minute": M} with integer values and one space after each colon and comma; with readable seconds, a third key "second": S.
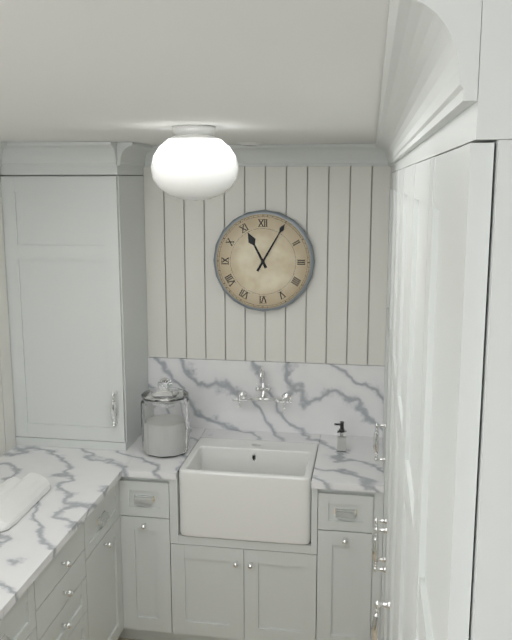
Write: {"hour": 11, "minute": 5}
